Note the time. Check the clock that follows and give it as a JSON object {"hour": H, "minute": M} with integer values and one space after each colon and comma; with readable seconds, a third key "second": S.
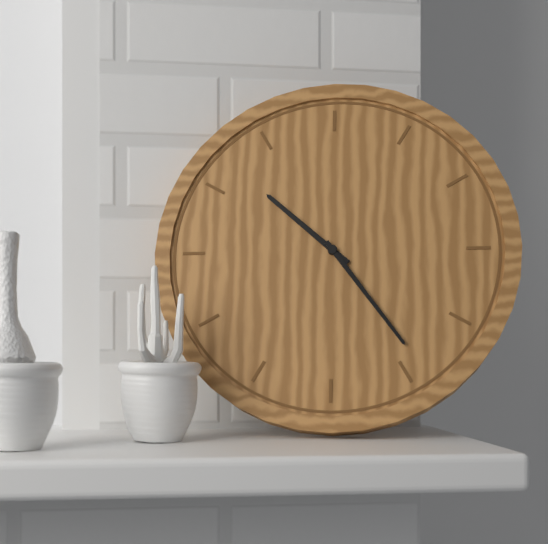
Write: {"hour": 10, "minute": 24}
